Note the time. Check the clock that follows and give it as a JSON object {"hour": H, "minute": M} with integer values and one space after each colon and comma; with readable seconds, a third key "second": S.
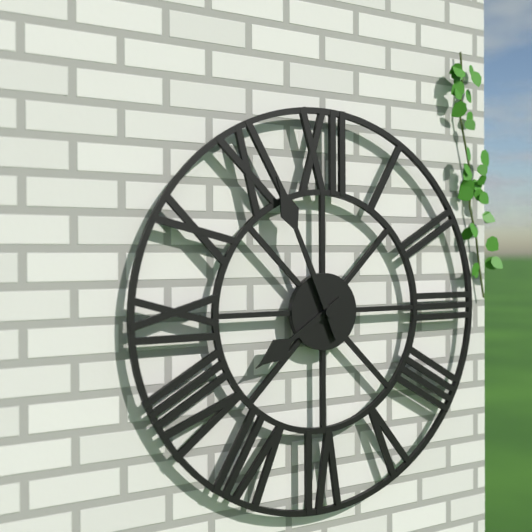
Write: {"hour": 7, "minute": 56}
